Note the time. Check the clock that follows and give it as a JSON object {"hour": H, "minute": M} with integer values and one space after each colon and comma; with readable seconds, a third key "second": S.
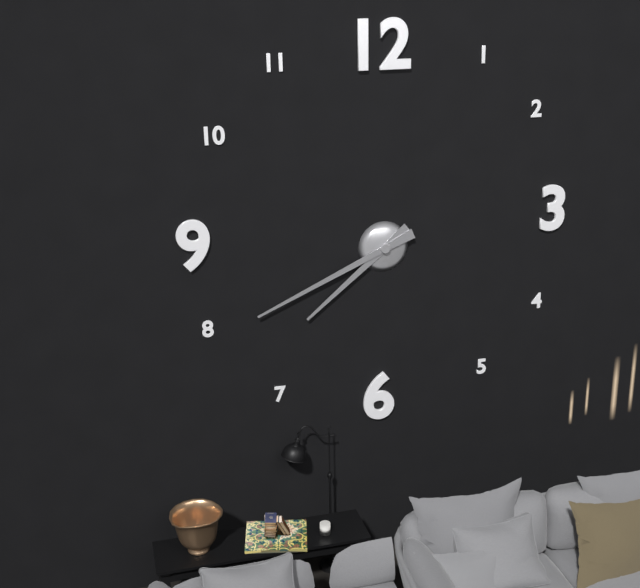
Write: {"hour": 7, "minute": 41}
